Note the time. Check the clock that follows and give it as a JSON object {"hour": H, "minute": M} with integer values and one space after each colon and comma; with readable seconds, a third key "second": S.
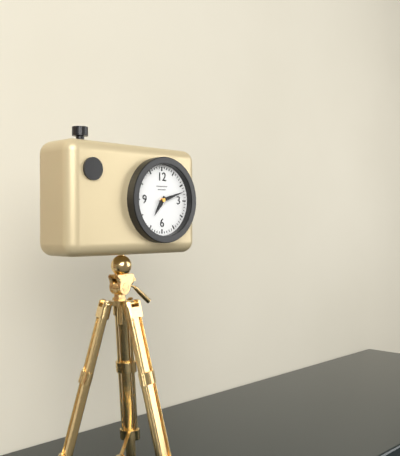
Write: {"hour": 7, "minute": 12}
